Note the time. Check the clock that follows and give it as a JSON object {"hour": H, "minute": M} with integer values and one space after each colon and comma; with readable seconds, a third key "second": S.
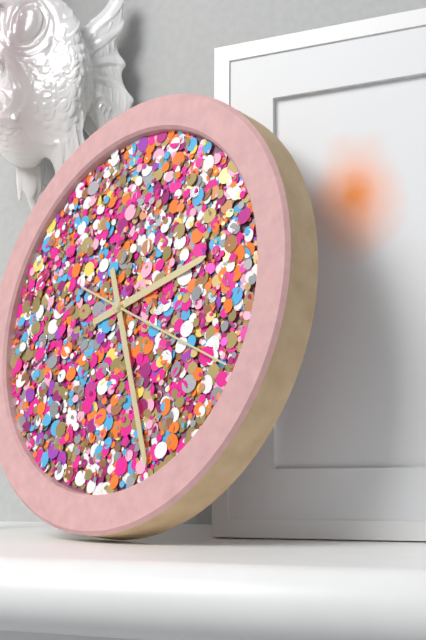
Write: {"hour": 2, "minute": 26, "second": 19}
